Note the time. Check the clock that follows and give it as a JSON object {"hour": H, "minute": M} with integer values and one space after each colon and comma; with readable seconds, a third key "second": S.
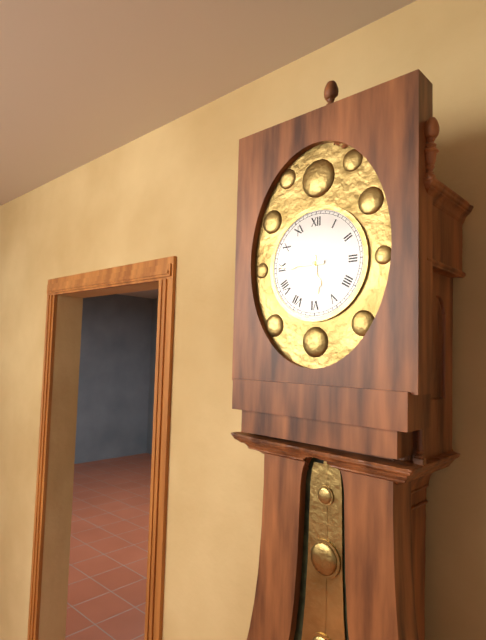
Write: {"hour": 5, "minute": 45}
